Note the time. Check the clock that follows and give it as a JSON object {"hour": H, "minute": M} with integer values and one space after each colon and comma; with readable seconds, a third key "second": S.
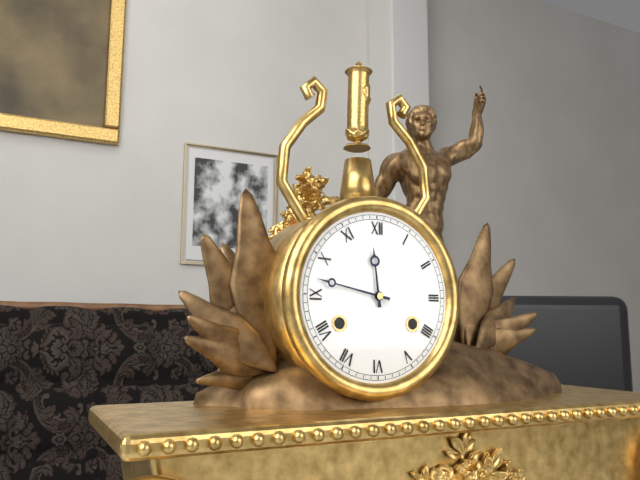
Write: {"hour": 11, "minute": 47}
